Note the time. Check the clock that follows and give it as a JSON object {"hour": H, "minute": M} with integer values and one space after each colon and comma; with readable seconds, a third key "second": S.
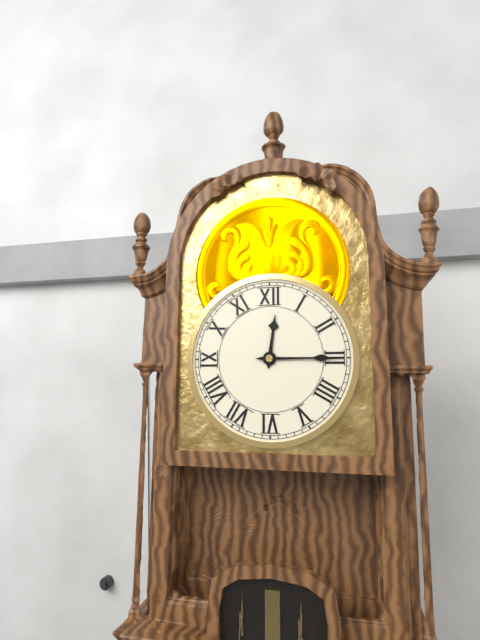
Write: {"hour": 12, "minute": 15}
